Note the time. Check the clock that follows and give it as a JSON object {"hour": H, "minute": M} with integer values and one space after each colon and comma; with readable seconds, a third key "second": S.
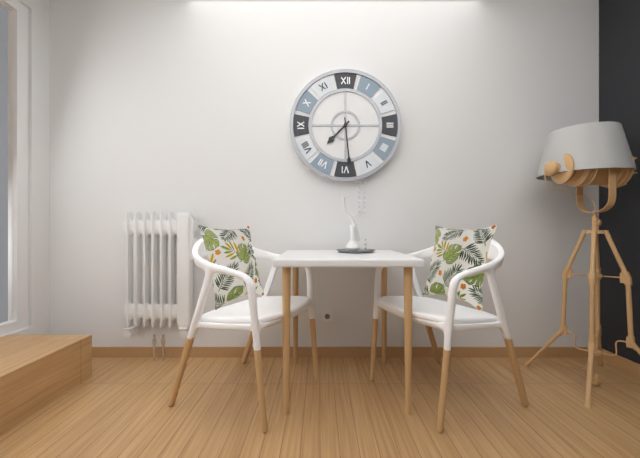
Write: {"hour": 7, "minute": 29}
